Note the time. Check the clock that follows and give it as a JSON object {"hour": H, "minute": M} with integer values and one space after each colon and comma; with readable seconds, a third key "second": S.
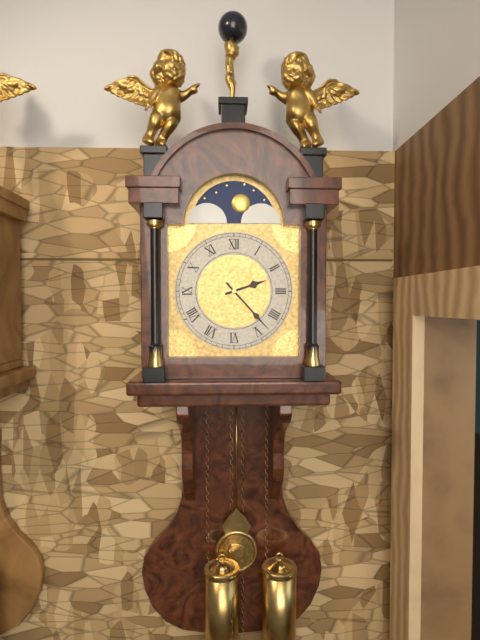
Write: {"hour": 2, "minute": 23}
